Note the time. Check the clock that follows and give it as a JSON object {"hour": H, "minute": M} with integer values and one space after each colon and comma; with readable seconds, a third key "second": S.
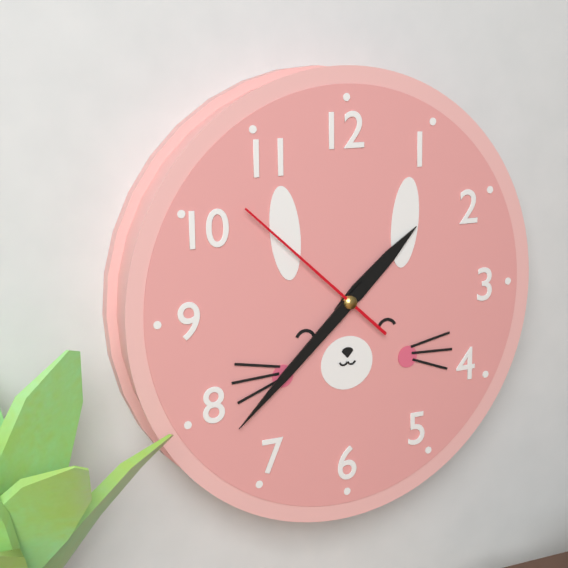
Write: {"hour": 1, "minute": 38, "second": 52}
